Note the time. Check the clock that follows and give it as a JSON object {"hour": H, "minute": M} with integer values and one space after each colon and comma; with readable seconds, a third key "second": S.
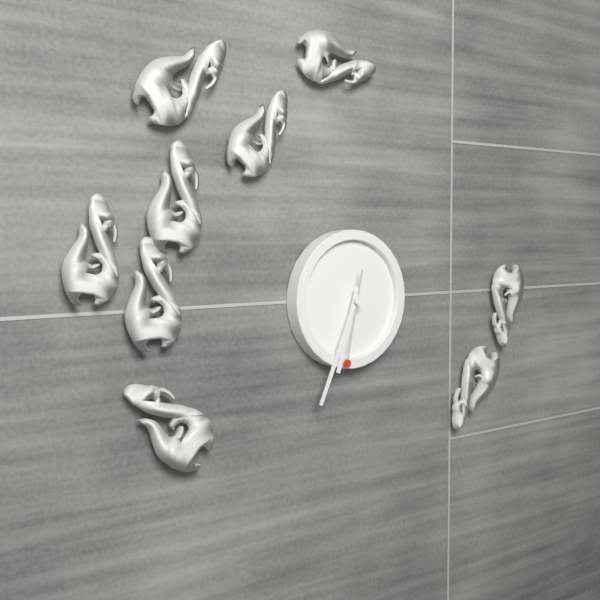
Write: {"hour": 6, "minute": 34, "second": 32}
